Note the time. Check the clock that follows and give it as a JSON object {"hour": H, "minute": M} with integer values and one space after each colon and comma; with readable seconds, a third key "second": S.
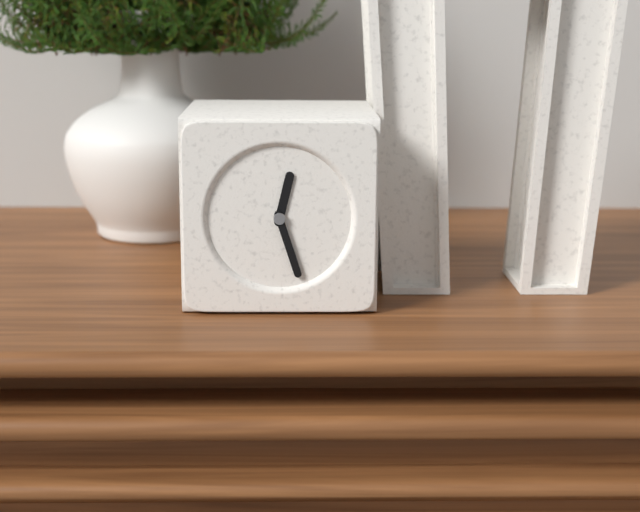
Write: {"hour": 12, "minute": 27}
